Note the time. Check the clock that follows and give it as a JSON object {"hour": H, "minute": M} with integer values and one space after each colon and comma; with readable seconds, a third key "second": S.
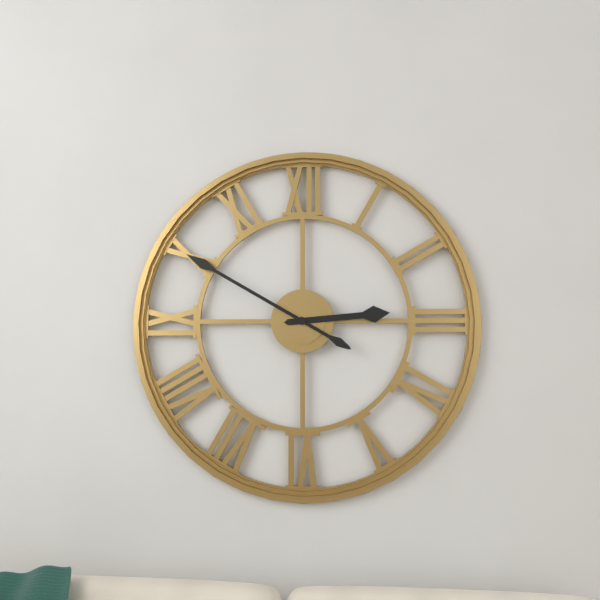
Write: {"hour": 2, "minute": 50}
